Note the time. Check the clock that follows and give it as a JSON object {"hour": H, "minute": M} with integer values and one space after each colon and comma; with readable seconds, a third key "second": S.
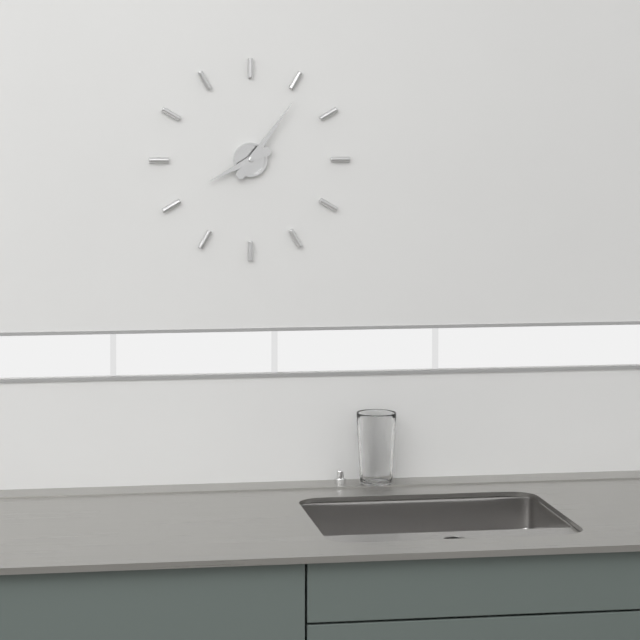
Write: {"hour": 8, "minute": 6}
